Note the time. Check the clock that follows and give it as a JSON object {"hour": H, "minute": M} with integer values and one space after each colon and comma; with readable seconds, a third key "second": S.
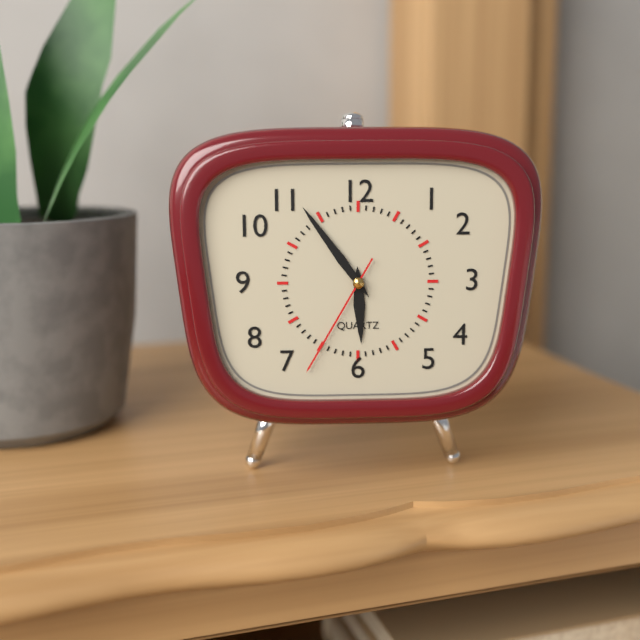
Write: {"hour": 5, "minute": 54, "second": 35}
